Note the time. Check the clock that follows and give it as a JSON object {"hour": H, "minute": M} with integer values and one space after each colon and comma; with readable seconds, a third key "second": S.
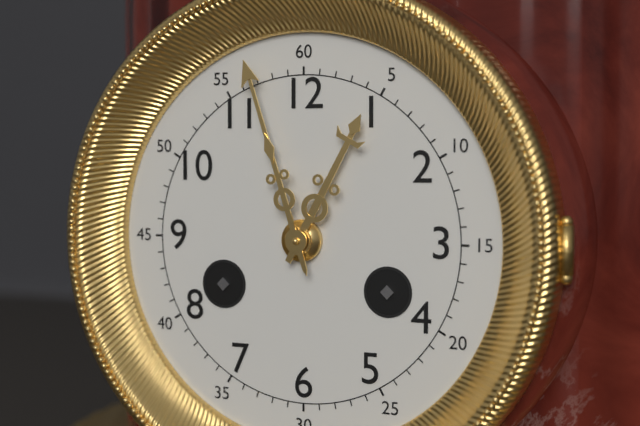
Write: {"hour": 12, "minute": 57}
